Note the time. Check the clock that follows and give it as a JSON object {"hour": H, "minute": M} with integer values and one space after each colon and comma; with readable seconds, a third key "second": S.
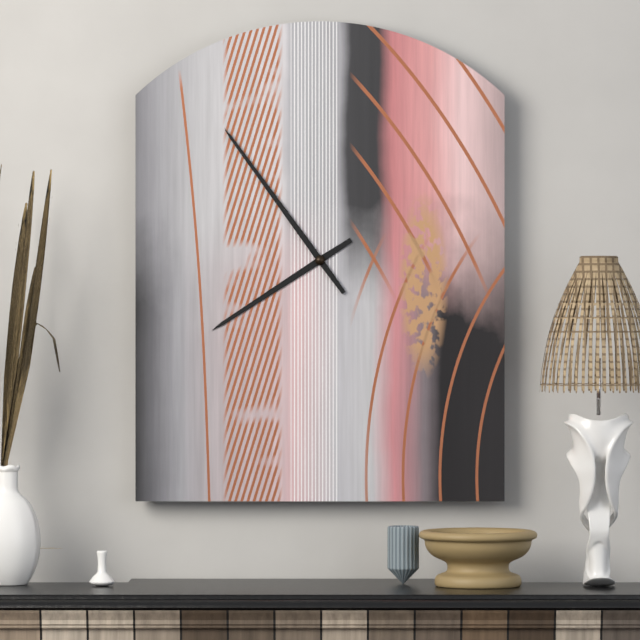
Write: {"hour": 7, "minute": 54}
